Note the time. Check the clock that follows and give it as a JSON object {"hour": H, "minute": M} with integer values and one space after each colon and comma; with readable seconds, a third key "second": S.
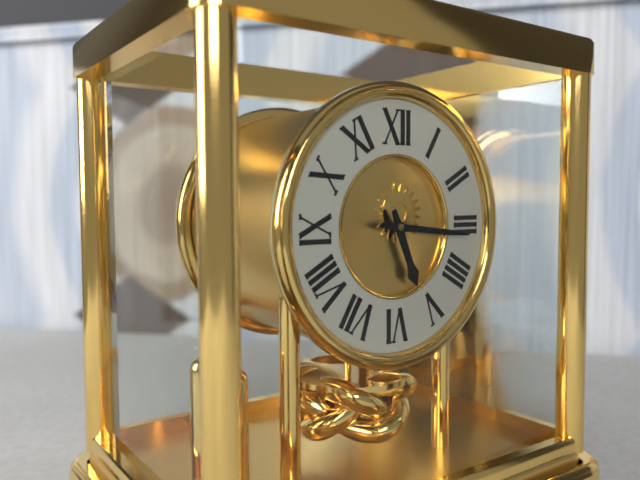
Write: {"hour": 5, "minute": 16}
